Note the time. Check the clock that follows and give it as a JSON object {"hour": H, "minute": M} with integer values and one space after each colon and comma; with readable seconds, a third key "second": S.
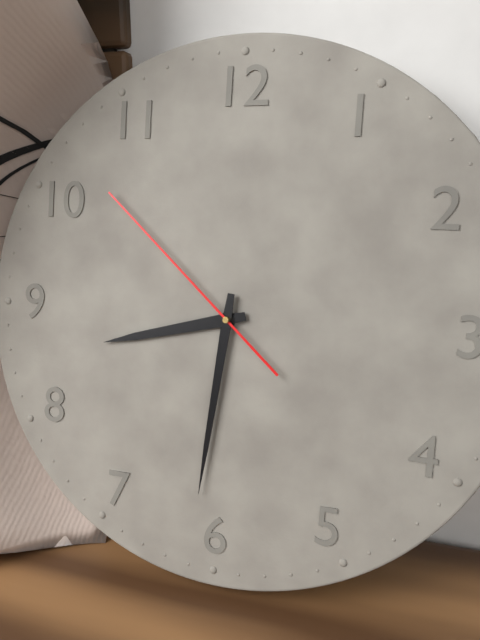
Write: {"hour": 8, "minute": 31, "second": 52}
